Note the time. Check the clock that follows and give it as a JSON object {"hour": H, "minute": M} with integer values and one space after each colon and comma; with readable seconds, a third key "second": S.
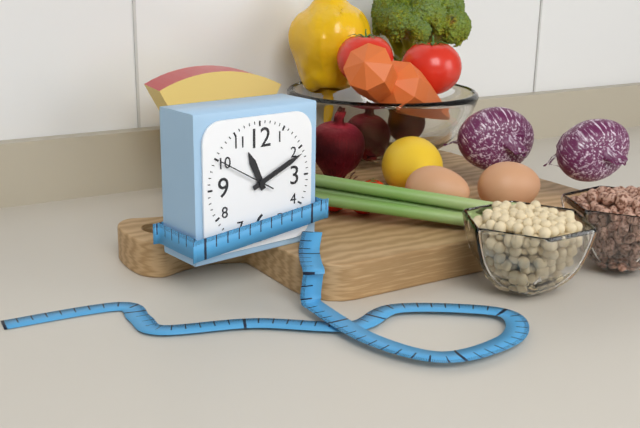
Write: {"hour": 11, "minute": 11, "second": 50}
